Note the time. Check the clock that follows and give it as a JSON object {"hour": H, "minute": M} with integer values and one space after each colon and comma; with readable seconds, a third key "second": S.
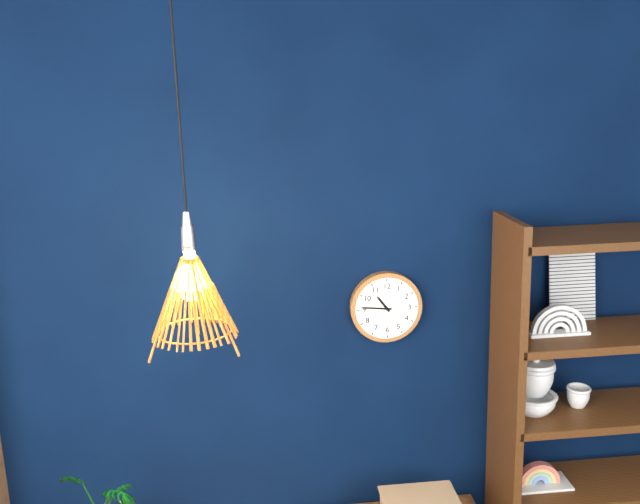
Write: {"hour": 10, "minute": 46}
